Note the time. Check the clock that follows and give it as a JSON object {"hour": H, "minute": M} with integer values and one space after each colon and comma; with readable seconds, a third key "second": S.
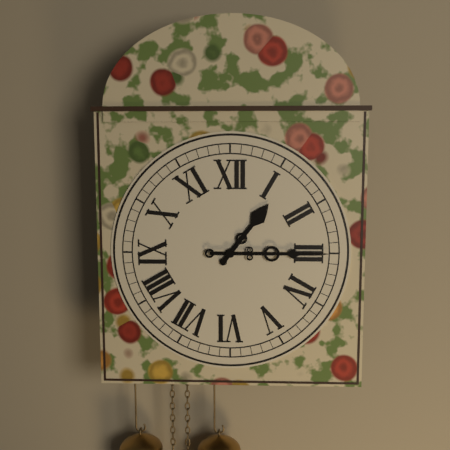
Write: {"hour": 1, "minute": 15}
